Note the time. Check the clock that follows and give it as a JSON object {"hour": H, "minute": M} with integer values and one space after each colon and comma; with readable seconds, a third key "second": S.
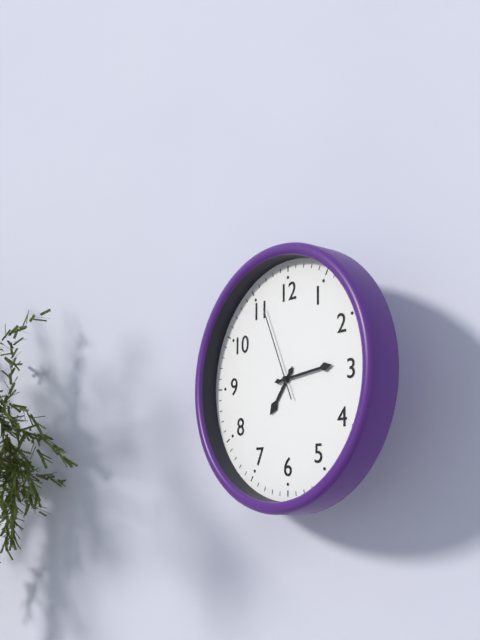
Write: {"hour": 7, "minute": 14, "second": 56}
